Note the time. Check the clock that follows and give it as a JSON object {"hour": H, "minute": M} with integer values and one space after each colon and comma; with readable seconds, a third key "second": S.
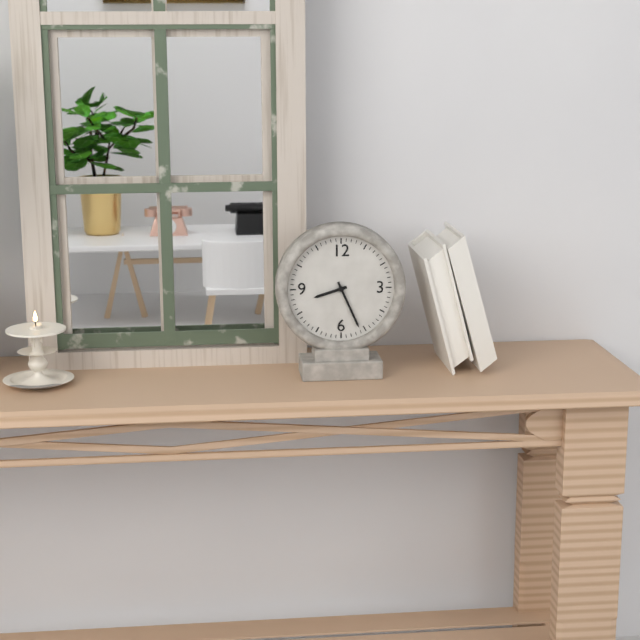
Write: {"hour": 8, "minute": 26}
